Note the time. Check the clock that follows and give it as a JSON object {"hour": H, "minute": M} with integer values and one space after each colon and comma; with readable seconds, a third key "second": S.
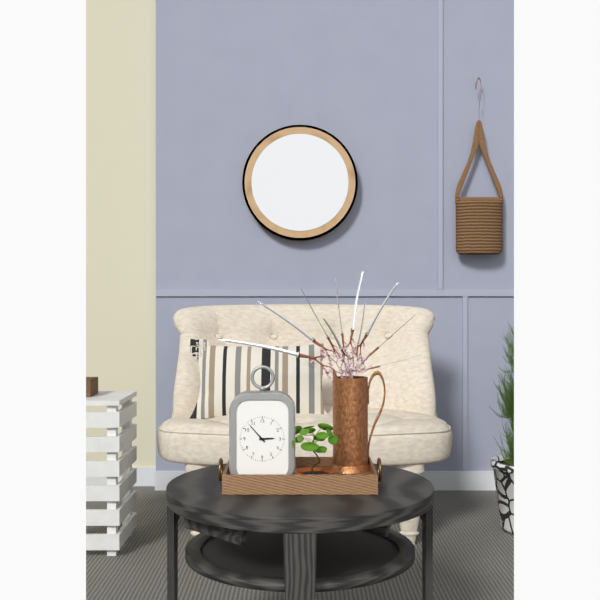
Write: {"hour": 2, "minute": 53}
